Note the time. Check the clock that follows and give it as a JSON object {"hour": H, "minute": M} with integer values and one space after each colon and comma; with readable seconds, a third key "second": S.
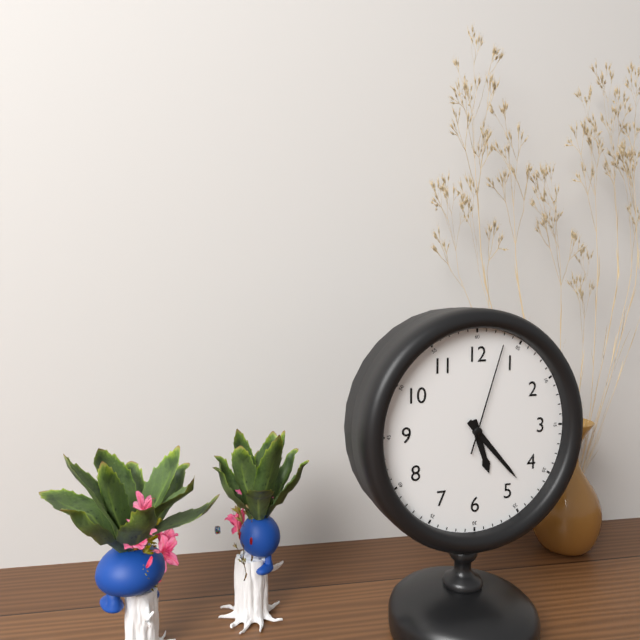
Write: {"hour": 5, "minute": 23, "second": 3}
